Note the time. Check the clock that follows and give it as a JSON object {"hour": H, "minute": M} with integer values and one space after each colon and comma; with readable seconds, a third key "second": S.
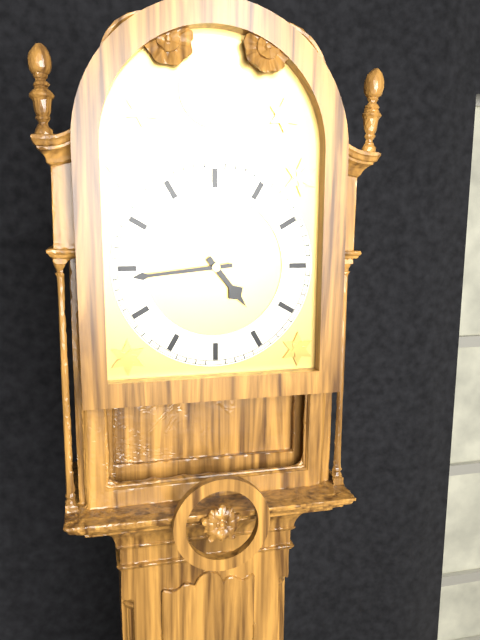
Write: {"hour": 4, "minute": 44}
